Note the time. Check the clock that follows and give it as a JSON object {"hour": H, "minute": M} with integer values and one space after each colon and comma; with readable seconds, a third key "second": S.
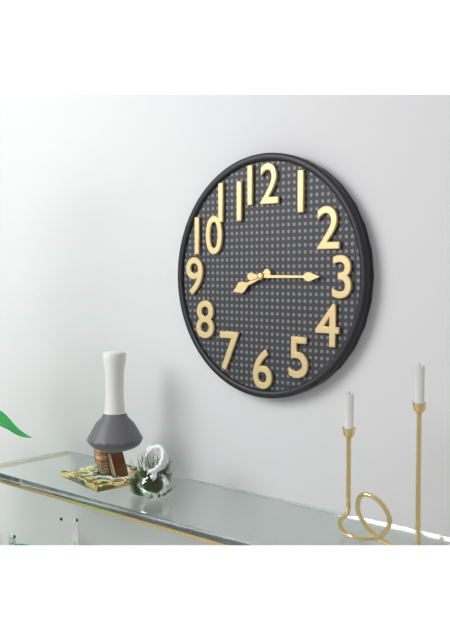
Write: {"hour": 8, "minute": 15}
